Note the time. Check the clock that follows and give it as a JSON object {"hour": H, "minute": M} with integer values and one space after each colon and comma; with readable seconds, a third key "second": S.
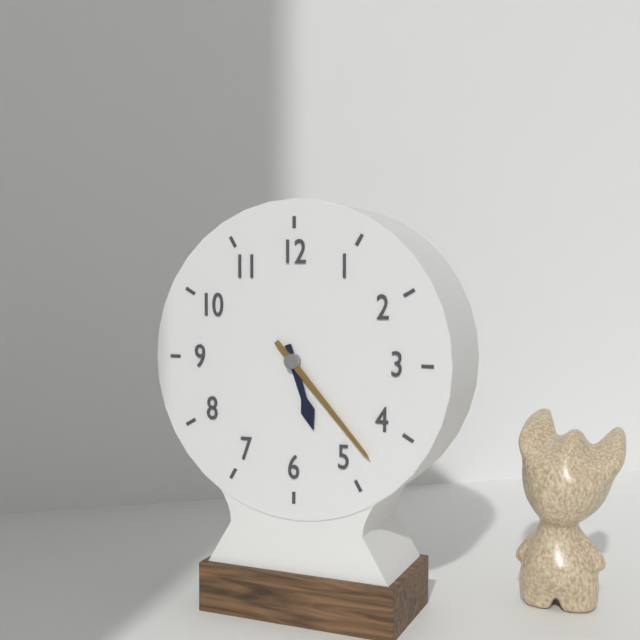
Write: {"hour": 5, "minute": 23}
